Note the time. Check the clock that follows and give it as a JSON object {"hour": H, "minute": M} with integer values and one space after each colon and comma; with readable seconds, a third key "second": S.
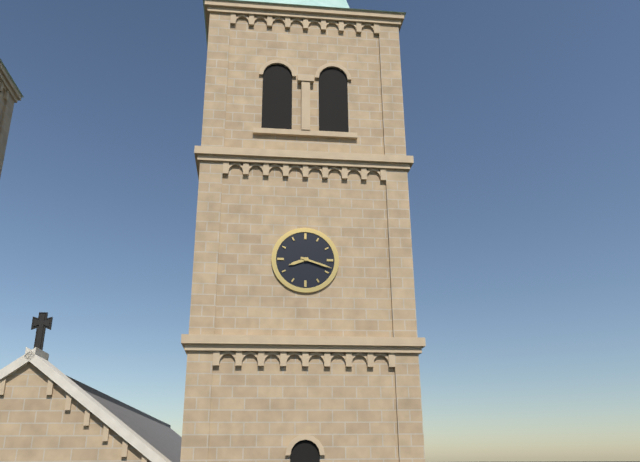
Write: {"hour": 8, "minute": 18}
